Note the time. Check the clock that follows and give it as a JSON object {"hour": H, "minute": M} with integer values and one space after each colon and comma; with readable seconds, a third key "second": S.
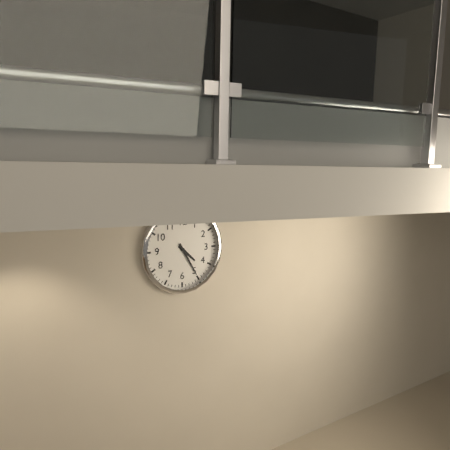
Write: {"hour": 4, "minute": 25}
